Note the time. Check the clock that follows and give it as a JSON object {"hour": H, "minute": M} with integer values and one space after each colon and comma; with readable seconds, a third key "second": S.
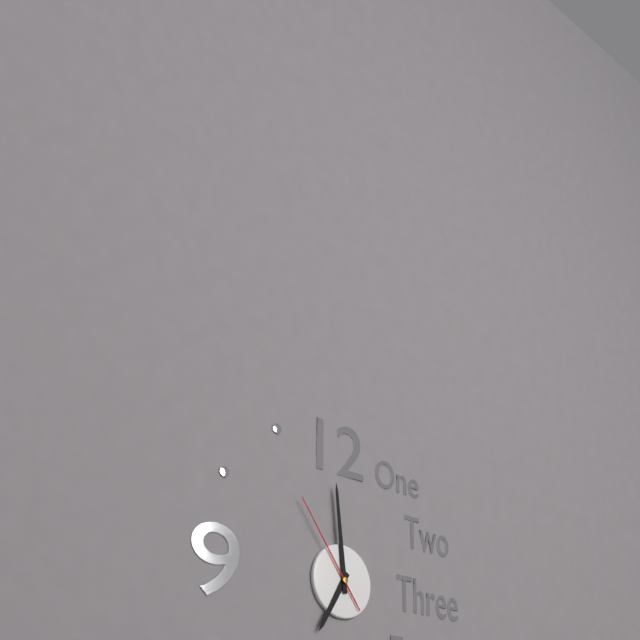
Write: {"hour": 6, "minute": 59, "second": 54}
